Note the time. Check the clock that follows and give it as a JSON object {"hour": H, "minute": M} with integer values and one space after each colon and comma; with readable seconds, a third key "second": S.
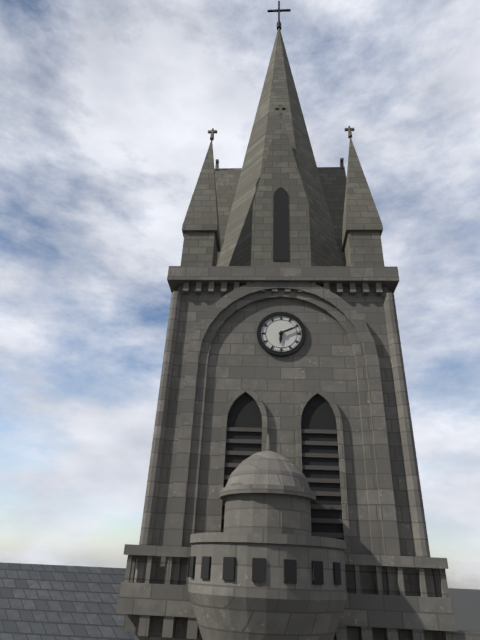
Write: {"hour": 6, "minute": 11}
